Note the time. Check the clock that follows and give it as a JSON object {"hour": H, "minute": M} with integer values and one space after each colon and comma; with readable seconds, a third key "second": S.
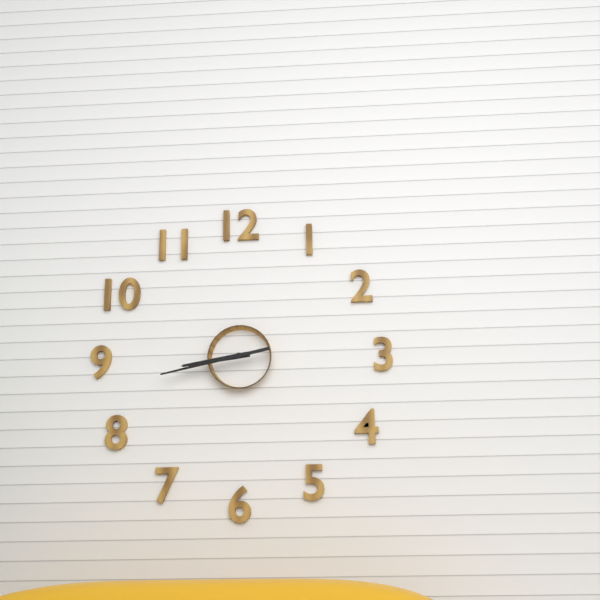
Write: {"hour": 8, "minute": 43}
